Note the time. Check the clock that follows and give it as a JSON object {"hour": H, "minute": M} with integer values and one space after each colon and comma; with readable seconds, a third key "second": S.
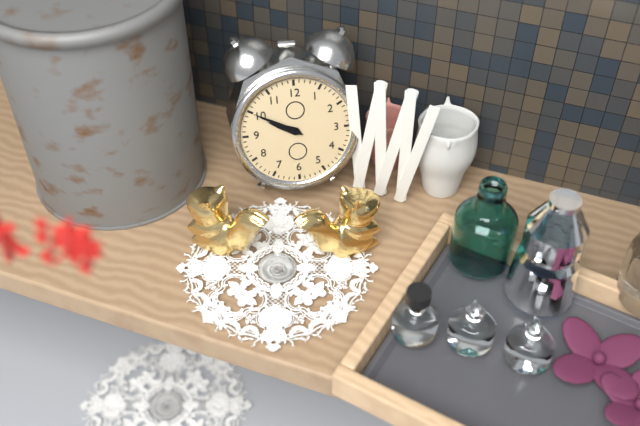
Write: {"hour": 9, "minute": 50}
